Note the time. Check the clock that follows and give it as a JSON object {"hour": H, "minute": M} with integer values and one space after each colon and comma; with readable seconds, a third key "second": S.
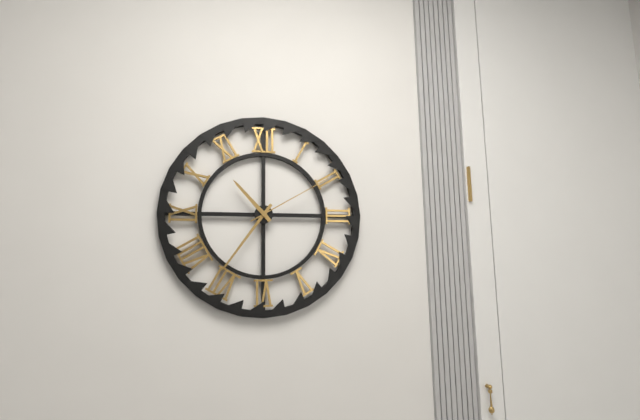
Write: {"hour": 10, "minute": 36, "second": 10}
